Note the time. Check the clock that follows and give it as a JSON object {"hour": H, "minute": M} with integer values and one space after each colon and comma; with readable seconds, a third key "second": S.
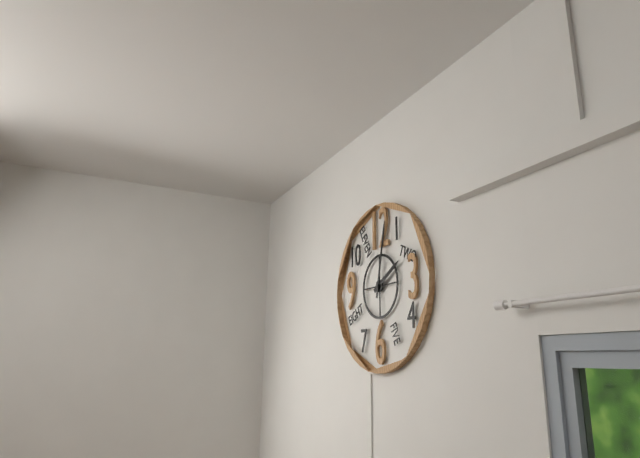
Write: {"hour": 2, "minute": 2}
